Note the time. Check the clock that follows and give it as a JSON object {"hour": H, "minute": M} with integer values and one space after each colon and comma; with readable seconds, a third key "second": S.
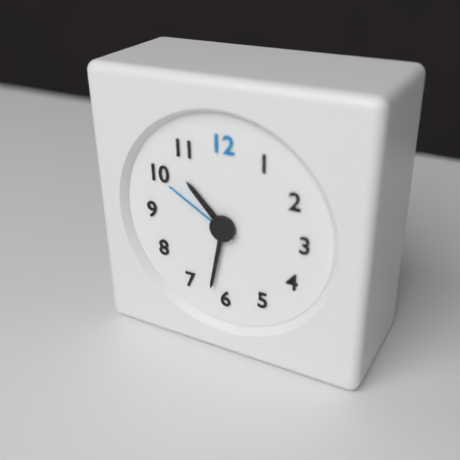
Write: {"hour": 10, "minute": 32, "second": 50}
